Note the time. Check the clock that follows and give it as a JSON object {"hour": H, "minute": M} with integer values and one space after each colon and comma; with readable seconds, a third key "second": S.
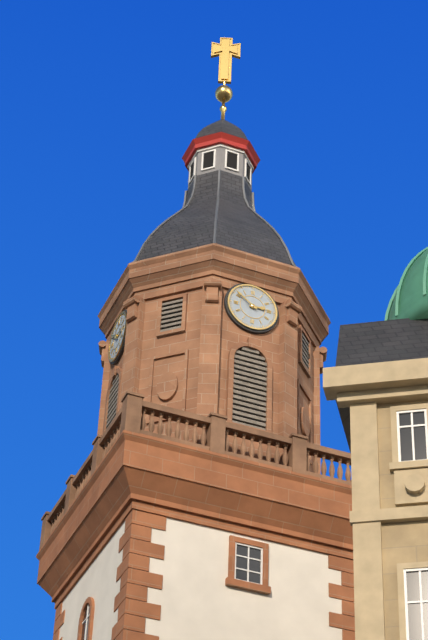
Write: {"hour": 2, "minute": 51}
